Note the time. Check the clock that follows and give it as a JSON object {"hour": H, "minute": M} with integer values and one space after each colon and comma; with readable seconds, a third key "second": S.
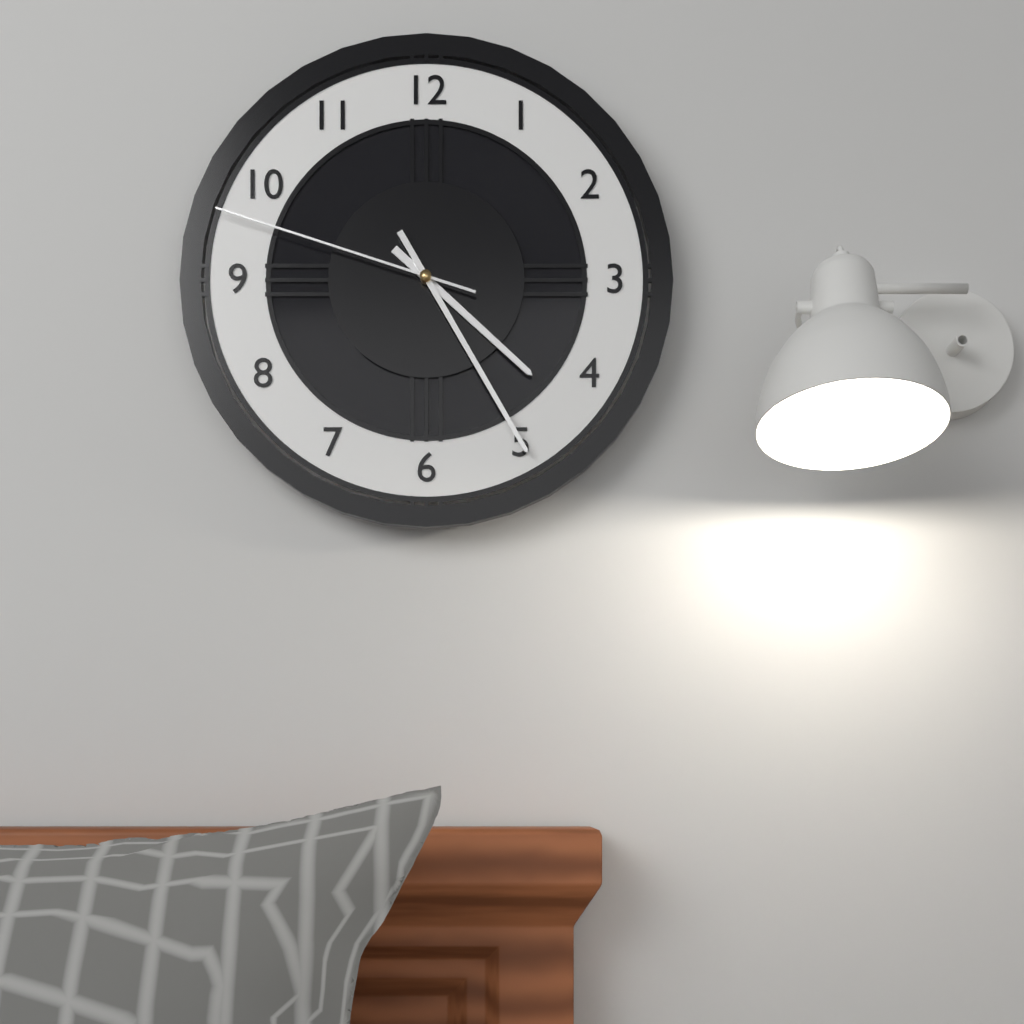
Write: {"hour": 4, "minute": 25, "second": 48}
